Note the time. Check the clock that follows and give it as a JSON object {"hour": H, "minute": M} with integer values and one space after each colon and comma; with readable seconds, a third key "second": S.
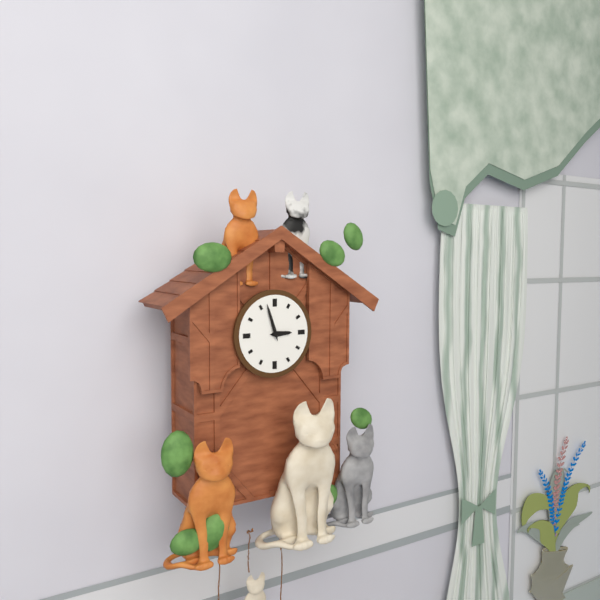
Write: {"hour": 2, "minute": 57}
